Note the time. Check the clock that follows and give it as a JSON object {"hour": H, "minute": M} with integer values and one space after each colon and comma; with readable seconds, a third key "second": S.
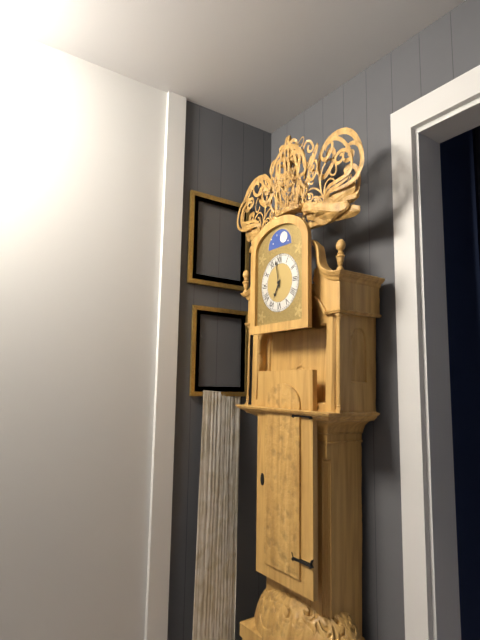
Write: {"hour": 6, "minute": 58}
